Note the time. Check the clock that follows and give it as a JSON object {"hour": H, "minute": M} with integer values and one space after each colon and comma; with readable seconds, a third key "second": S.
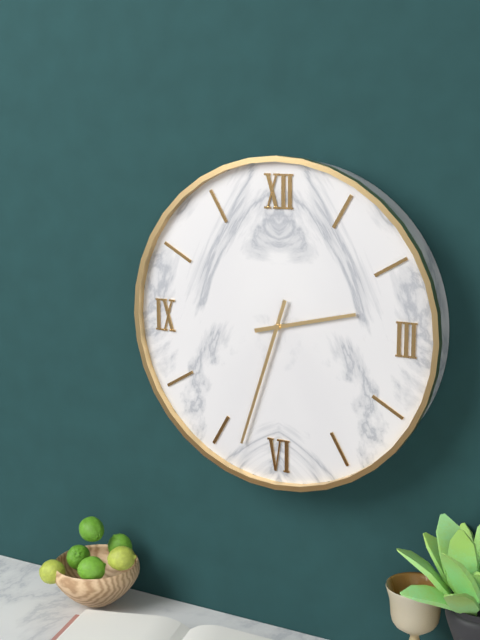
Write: {"hour": 2, "minute": 33}
